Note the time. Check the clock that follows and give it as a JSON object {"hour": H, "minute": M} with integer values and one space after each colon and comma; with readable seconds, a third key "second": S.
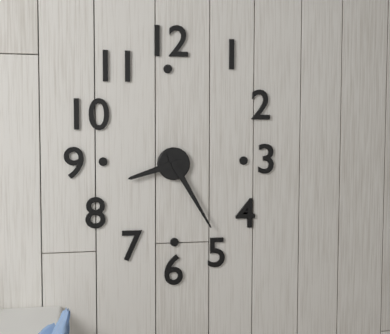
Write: {"hour": 8, "minute": 25}
